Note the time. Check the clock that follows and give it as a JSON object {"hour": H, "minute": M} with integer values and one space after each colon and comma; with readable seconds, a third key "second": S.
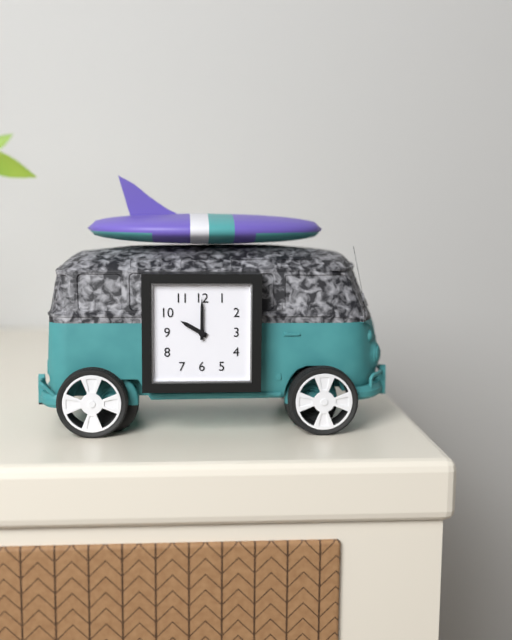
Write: {"hour": 10, "minute": 0}
